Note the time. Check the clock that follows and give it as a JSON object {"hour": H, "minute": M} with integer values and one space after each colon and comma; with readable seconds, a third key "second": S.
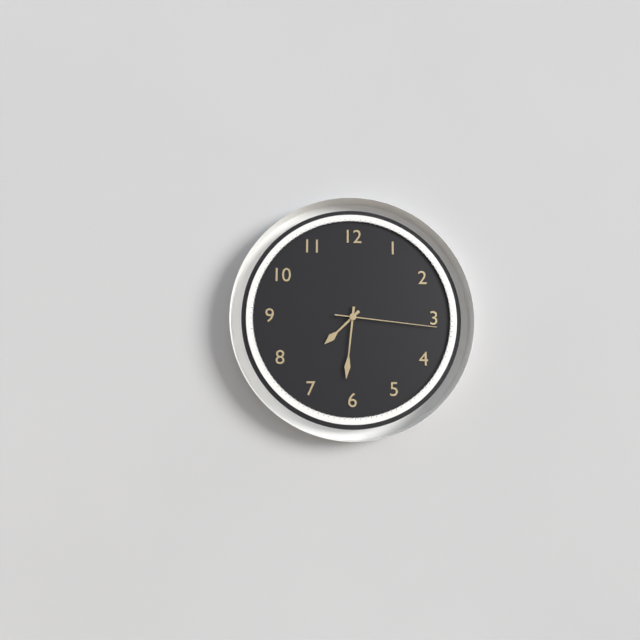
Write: {"hour": 7, "minute": 31, "second": 16}
